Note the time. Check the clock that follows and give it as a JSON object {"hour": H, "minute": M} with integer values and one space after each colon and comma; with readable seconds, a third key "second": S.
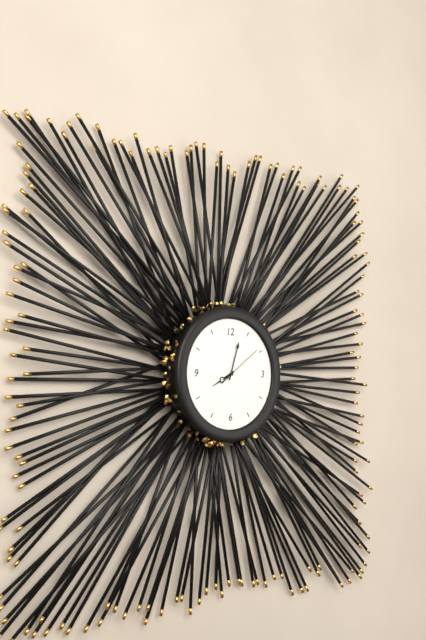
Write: {"hour": 8, "minute": 3}
